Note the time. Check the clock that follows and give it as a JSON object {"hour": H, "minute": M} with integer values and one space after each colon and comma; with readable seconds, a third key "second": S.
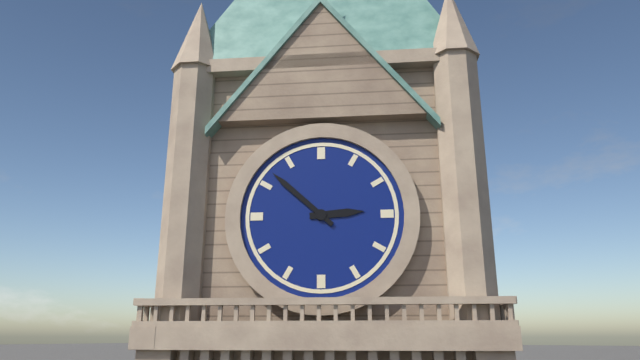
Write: {"hour": 2, "minute": 52}
